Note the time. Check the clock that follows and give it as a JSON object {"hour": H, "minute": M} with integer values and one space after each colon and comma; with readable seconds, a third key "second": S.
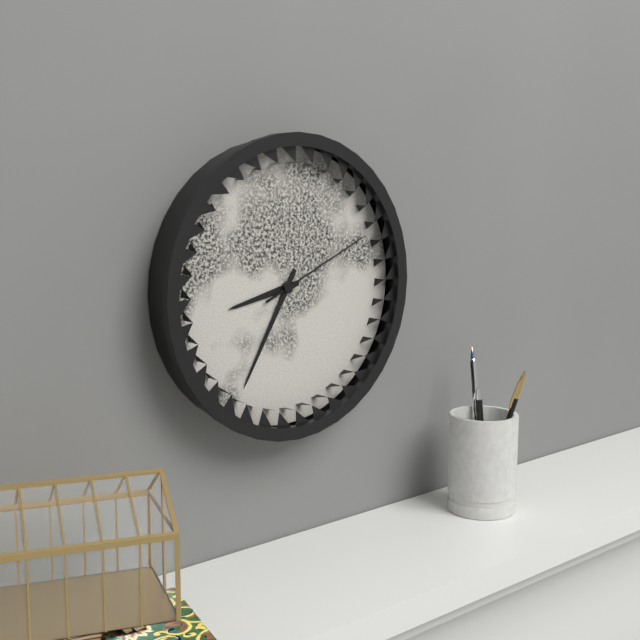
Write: {"hour": 8, "minute": 35, "second": 11}
